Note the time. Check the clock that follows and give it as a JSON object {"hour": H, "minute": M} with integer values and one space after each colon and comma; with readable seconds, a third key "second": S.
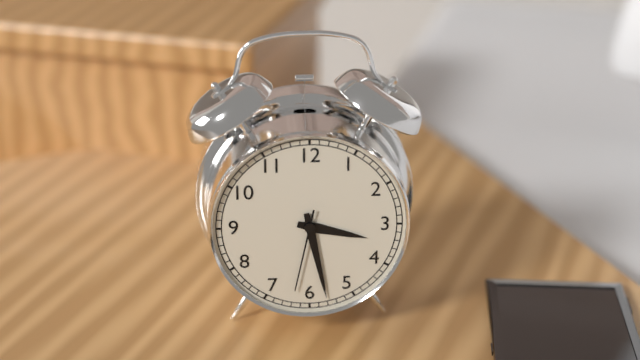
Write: {"hour": 3, "minute": 28, "second": 32}
